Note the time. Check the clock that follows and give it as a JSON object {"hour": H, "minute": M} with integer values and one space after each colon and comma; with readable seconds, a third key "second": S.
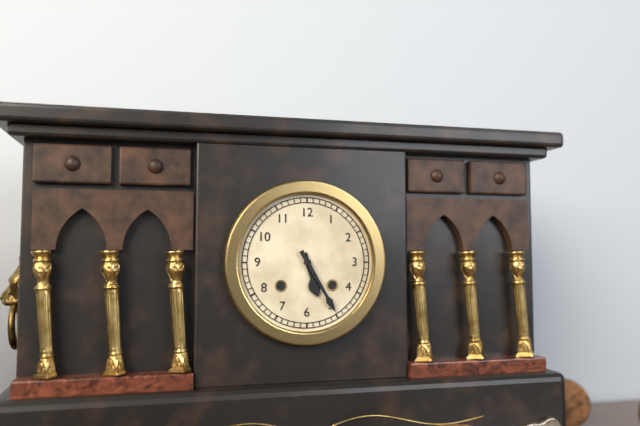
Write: {"hour": 5, "minute": 25}
